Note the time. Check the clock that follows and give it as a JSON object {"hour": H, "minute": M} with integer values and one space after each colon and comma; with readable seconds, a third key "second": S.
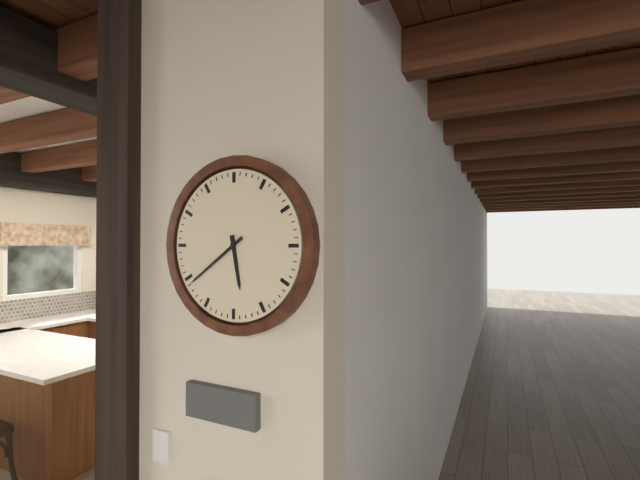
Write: {"hour": 5, "minute": 39}
